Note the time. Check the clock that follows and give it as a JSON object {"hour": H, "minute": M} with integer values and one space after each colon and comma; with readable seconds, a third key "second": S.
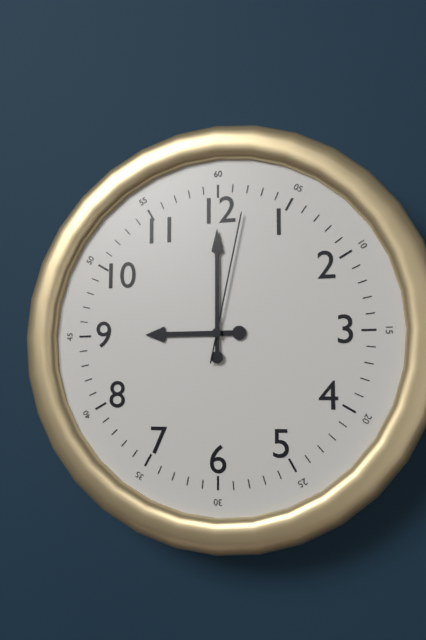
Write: {"hour": 9, "minute": 0, "second": 2}
